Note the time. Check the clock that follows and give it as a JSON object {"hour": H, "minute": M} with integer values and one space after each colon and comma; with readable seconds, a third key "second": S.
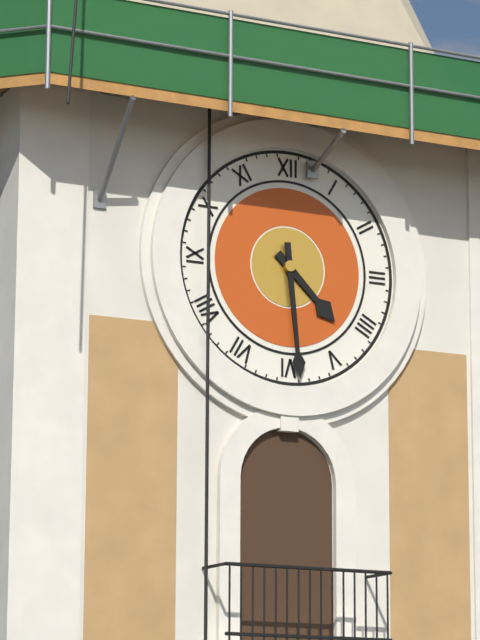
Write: {"hour": 4, "minute": 29}
